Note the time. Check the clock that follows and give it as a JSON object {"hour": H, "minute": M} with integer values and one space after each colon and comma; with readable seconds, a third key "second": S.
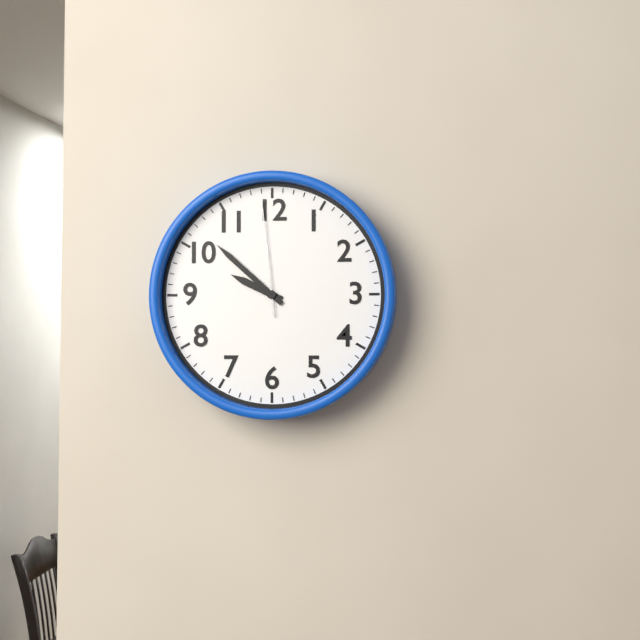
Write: {"hour": 9, "minute": 52, "second": 59}
